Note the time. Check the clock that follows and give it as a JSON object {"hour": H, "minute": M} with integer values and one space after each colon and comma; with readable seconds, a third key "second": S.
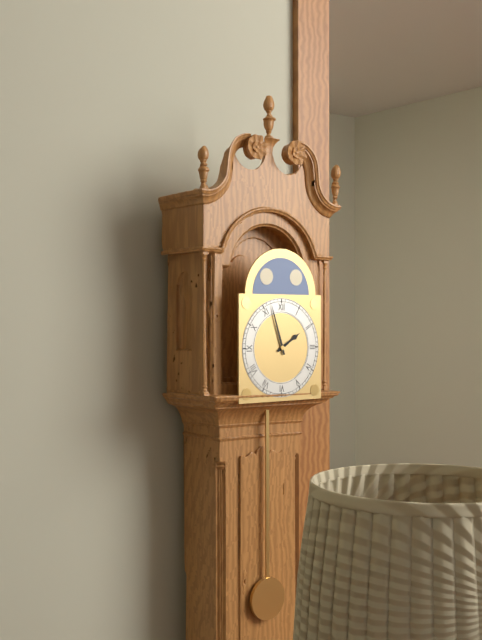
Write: {"hour": 1, "minute": 57}
